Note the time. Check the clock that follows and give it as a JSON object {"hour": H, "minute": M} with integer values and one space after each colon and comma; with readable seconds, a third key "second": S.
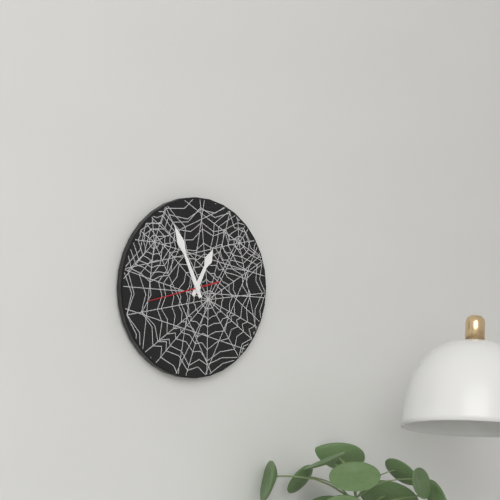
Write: {"hour": 12, "minute": 56, "second": 43}
